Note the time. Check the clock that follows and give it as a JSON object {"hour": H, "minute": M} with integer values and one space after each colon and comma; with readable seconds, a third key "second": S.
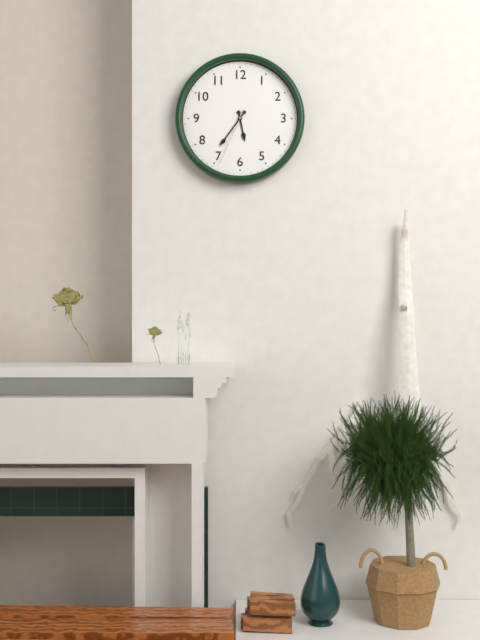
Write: {"hour": 5, "minute": 36, "second": 34}
